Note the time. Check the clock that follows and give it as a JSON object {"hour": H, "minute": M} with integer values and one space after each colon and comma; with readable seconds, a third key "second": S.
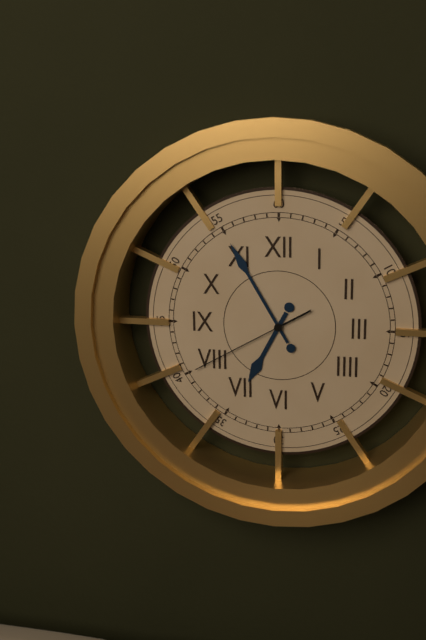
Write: {"hour": 6, "minute": 55, "second": 40}
